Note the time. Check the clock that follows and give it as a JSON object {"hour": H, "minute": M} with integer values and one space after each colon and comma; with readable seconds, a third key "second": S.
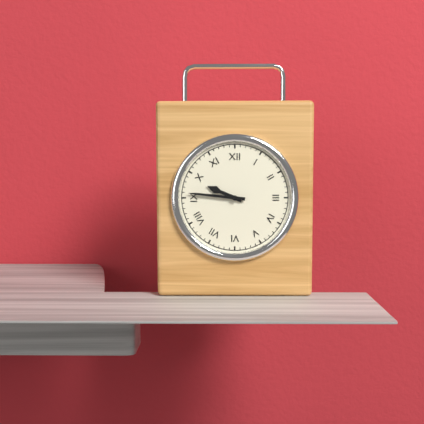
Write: {"hour": 9, "minute": 46}
